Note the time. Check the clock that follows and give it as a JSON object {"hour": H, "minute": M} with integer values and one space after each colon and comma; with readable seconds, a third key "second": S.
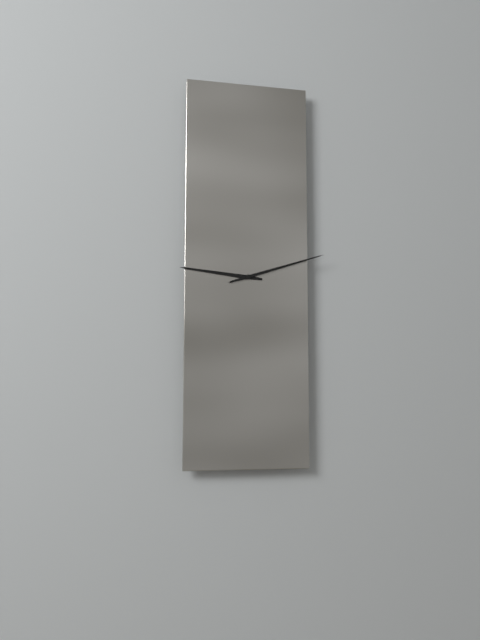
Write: {"hour": 9, "minute": 12}
